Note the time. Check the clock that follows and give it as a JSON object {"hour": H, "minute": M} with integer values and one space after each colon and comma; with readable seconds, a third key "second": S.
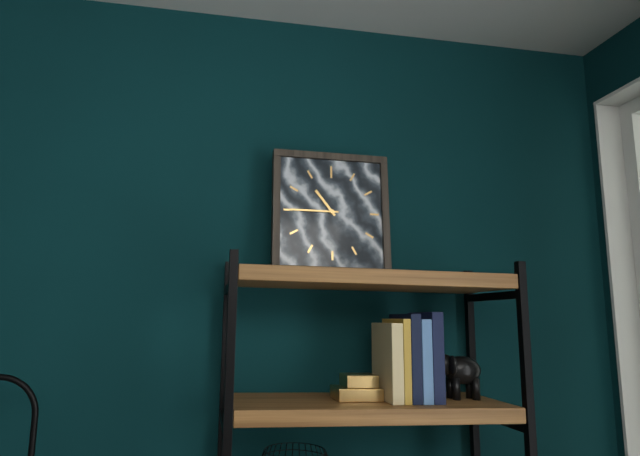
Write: {"hour": 10, "minute": 45}
